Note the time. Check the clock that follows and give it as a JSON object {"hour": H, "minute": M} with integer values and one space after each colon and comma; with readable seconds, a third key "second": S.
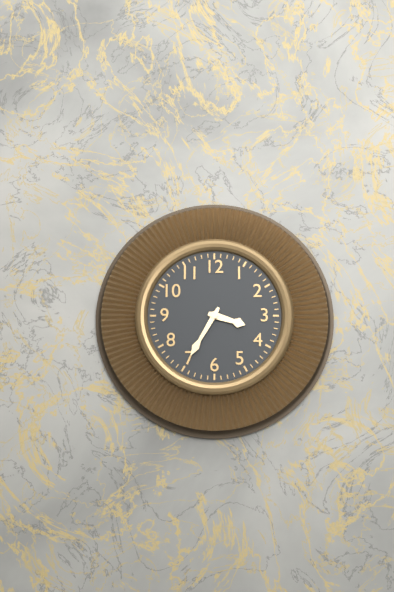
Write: {"hour": 3, "minute": 35}
